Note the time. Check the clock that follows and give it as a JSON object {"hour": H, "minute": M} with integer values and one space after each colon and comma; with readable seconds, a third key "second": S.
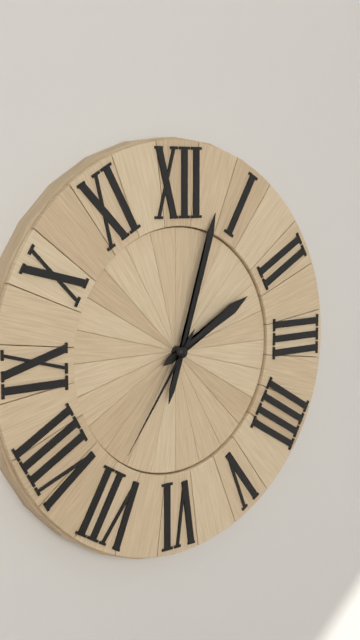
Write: {"hour": 2, "minute": 3, "second": 36}
